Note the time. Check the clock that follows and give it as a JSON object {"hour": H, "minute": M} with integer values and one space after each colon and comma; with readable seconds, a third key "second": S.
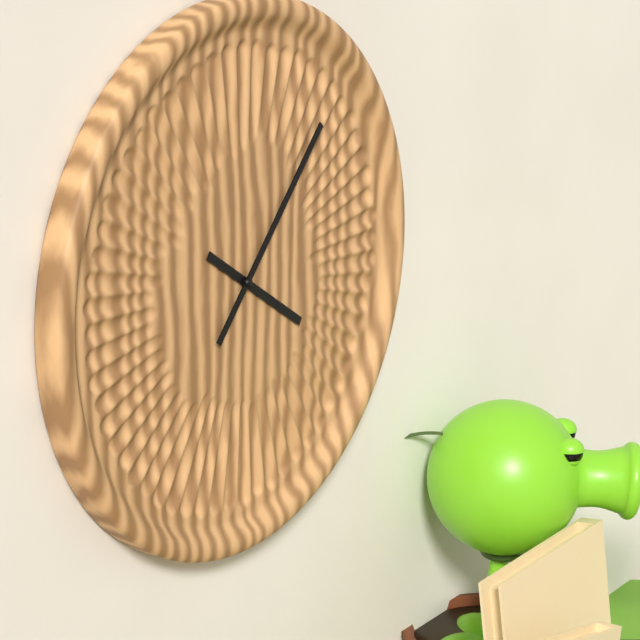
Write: {"hour": 4, "minute": 7}
